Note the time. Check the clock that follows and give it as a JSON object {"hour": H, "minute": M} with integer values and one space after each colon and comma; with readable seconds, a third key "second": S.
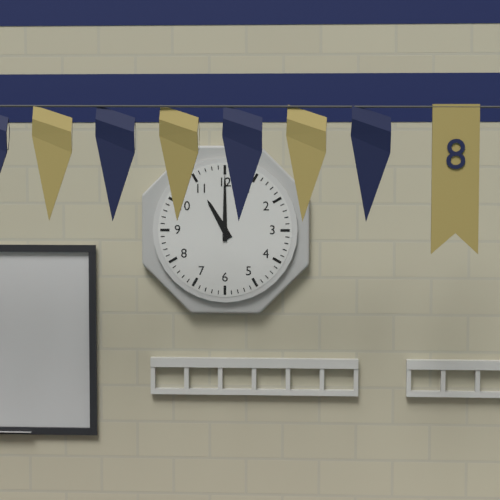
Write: {"hour": 11, "minute": 0}
